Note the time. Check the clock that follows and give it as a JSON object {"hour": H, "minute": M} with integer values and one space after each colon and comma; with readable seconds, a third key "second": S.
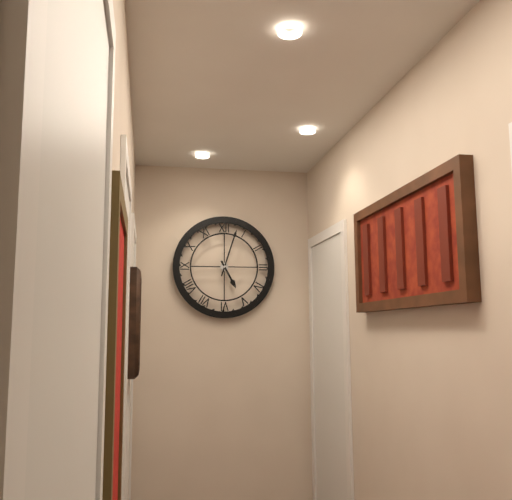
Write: {"hour": 5, "minute": 3}
